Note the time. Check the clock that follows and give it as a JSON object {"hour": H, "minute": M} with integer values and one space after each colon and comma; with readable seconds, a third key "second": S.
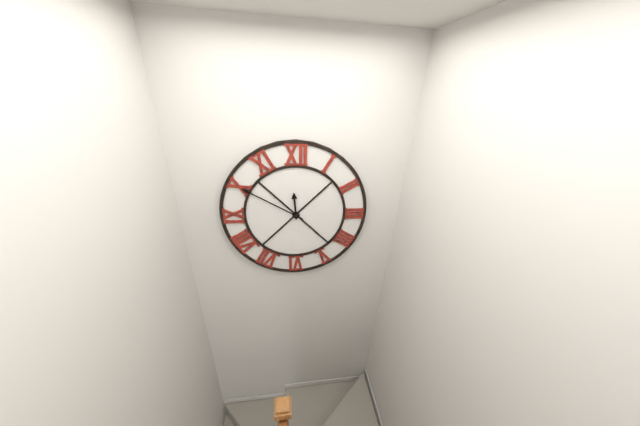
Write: {"hour": 11, "minute": 50}
